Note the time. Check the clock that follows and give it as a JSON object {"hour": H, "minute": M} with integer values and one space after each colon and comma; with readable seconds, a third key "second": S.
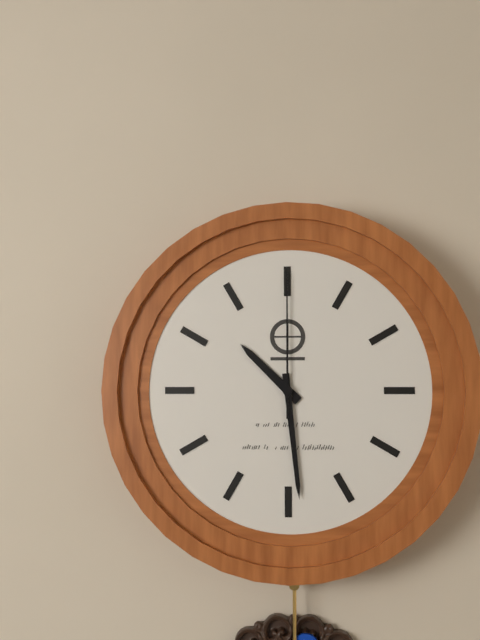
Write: {"hour": 10, "minute": 29, "second": 0}
